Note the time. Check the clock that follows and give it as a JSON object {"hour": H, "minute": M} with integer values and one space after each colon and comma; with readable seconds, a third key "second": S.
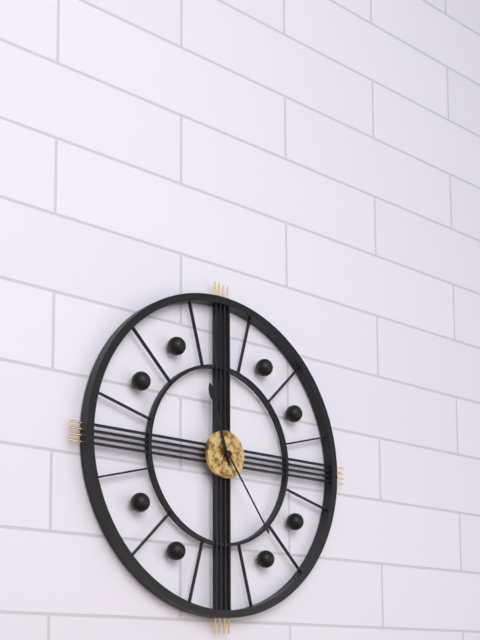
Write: {"hour": 11, "minute": 24}
